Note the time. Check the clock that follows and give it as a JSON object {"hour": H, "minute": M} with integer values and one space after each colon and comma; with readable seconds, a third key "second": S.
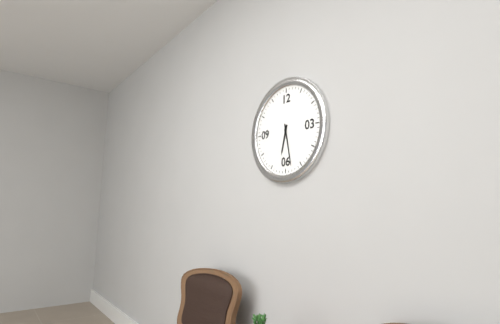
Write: {"hour": 6, "minute": 28}
